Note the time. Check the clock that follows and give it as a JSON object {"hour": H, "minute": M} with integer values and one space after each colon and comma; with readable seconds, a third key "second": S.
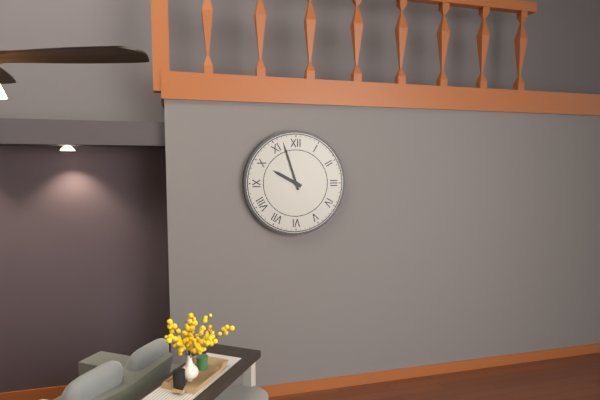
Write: {"hour": 9, "minute": 57}
